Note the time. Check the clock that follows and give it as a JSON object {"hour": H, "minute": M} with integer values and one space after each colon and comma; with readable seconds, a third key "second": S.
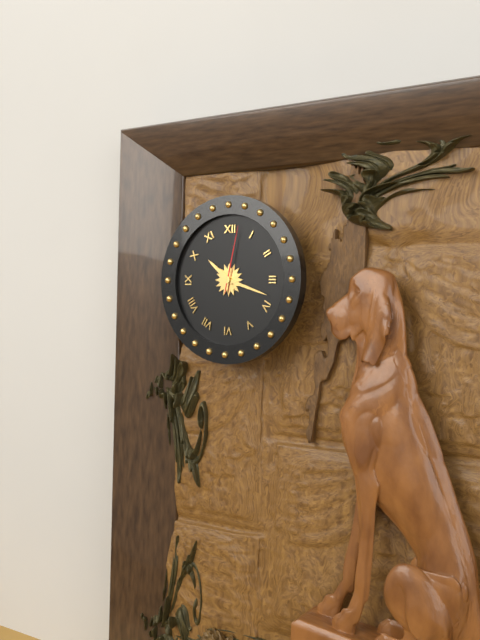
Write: {"hour": 10, "minute": 18, "second": 2}
